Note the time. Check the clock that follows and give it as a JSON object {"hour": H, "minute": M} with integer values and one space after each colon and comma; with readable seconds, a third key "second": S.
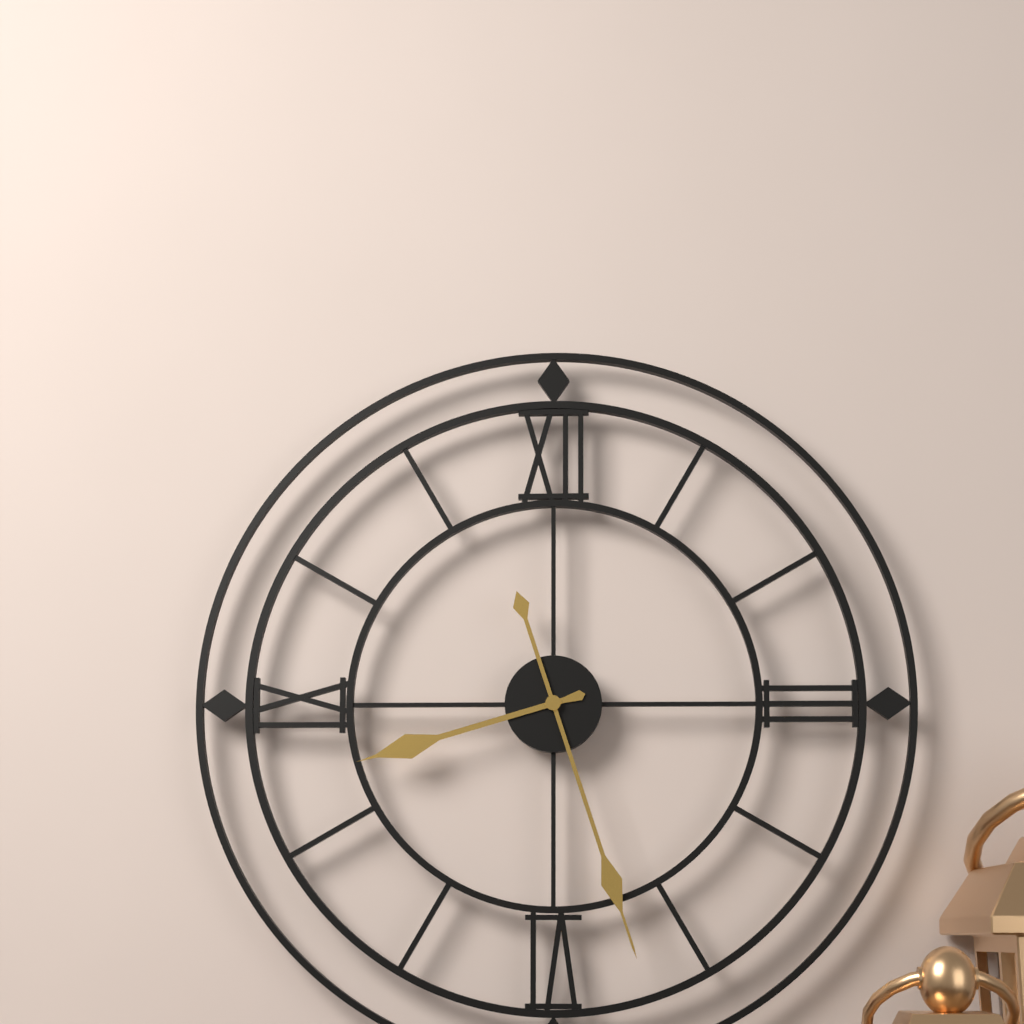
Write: {"hour": 8, "minute": 27}
